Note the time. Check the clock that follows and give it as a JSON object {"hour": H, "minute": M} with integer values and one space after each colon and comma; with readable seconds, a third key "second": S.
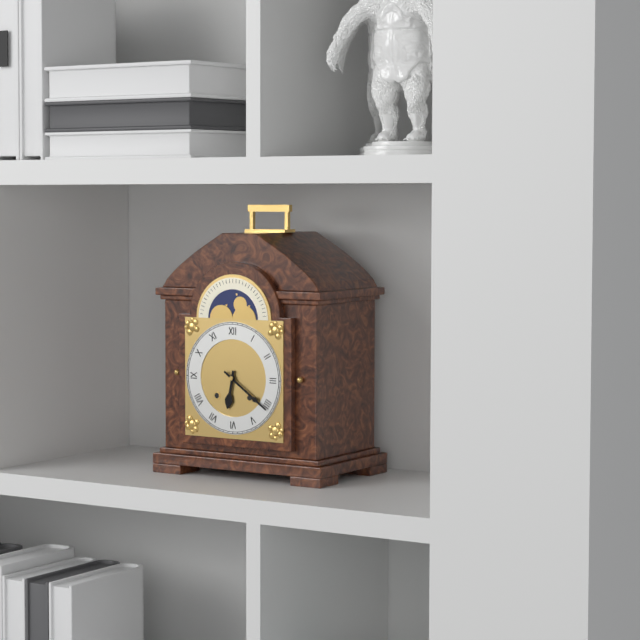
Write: {"hour": 6, "minute": 21}
